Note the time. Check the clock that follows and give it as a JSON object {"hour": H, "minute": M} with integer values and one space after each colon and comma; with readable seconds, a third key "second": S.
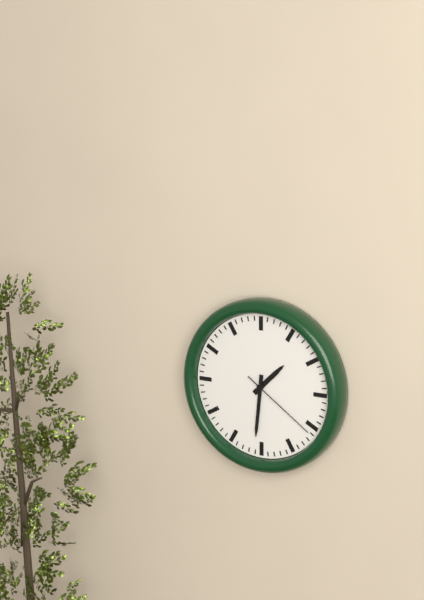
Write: {"hour": 1, "minute": 31, "second": 21}
